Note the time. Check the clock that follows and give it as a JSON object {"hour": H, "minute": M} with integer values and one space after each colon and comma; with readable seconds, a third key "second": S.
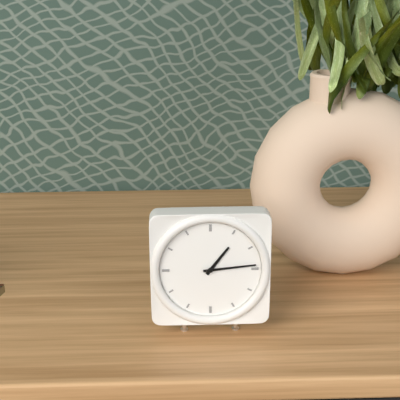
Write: {"hour": 1, "minute": 14}
